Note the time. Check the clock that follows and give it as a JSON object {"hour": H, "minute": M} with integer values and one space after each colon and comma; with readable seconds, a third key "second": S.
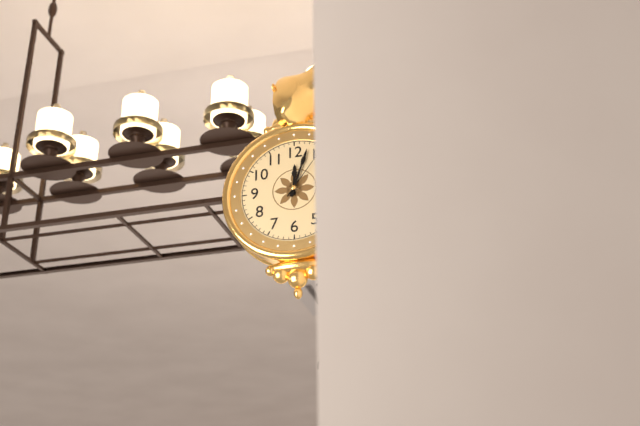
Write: {"hour": 12, "minute": 3, "second": 6}
